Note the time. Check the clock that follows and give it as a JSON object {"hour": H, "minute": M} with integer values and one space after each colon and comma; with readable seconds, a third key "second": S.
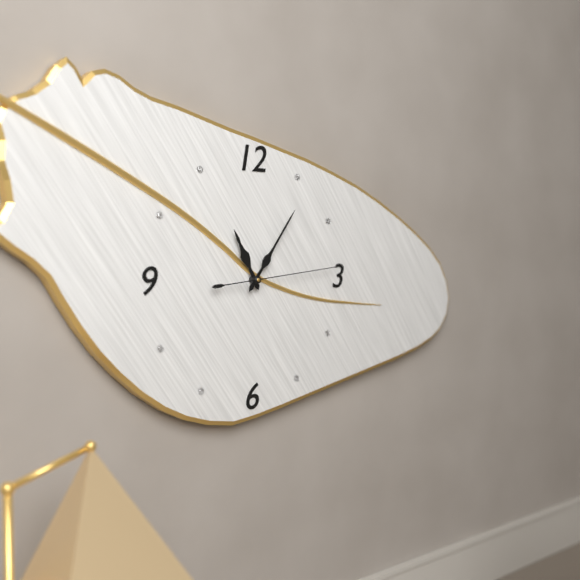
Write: {"hour": 11, "minute": 6, "second": 14}
